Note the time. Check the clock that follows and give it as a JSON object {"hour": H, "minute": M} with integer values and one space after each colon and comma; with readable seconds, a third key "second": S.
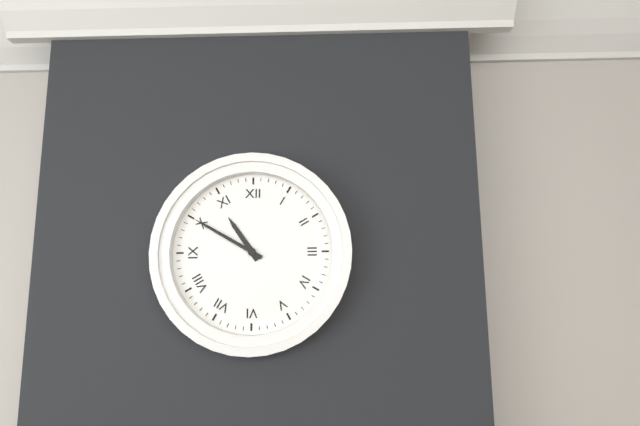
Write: {"hour": 10, "minute": 50}
